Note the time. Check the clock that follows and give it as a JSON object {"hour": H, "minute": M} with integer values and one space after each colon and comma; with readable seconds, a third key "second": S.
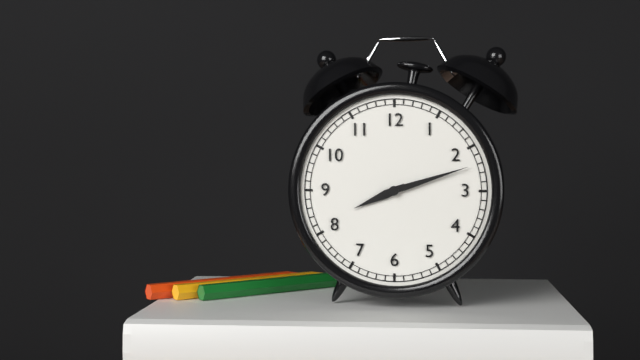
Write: {"hour": 8, "minute": 12}
